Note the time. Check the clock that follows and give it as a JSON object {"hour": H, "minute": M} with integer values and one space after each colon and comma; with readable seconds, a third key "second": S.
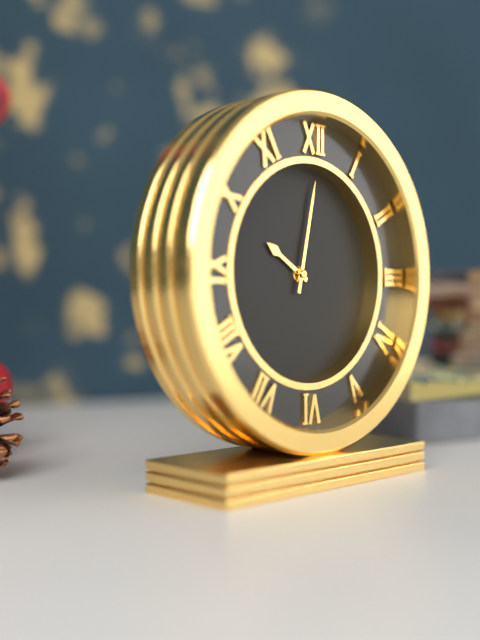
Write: {"hour": 10, "minute": 2}
